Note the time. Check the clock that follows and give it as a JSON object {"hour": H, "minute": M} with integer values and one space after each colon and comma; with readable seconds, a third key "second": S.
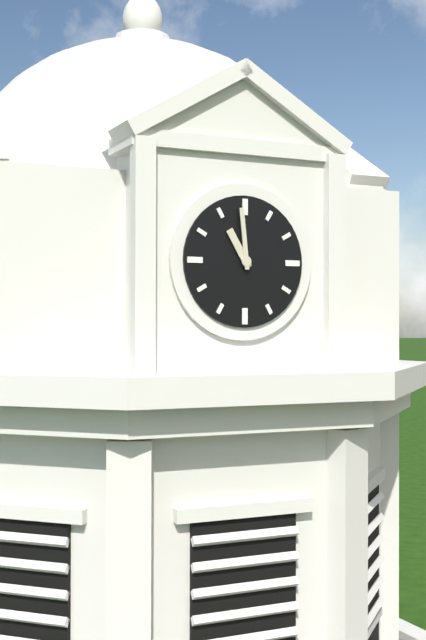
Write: {"hour": 10, "minute": 59}
